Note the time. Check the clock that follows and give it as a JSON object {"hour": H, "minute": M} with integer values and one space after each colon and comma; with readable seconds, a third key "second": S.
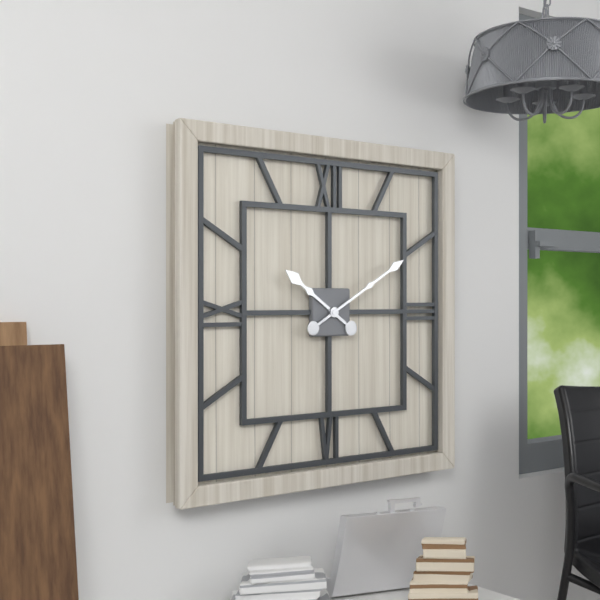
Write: {"hour": 10, "minute": 10}
